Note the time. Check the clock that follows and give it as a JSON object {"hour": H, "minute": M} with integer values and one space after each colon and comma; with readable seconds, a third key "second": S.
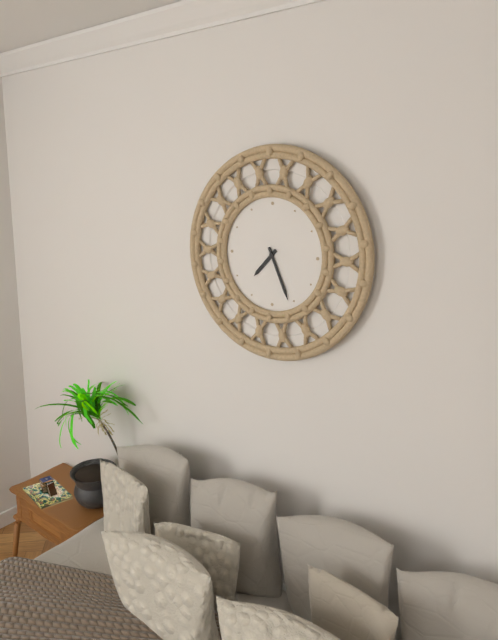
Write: {"hour": 7, "minute": 26}
